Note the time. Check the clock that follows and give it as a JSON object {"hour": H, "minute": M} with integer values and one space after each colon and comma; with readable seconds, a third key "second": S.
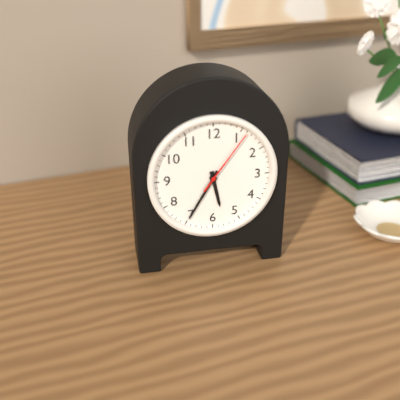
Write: {"hour": 5, "minute": 35, "second": 6}
